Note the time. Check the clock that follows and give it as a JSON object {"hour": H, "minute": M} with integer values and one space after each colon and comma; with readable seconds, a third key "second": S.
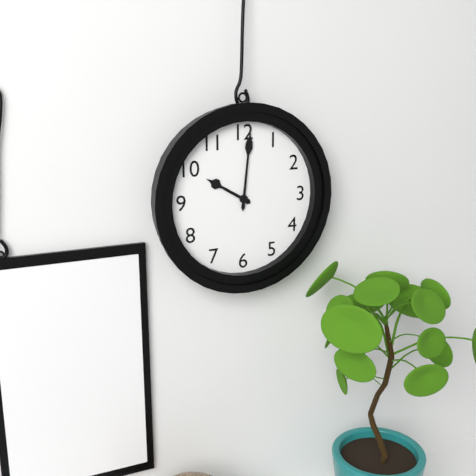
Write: {"hour": 10, "minute": 1}
